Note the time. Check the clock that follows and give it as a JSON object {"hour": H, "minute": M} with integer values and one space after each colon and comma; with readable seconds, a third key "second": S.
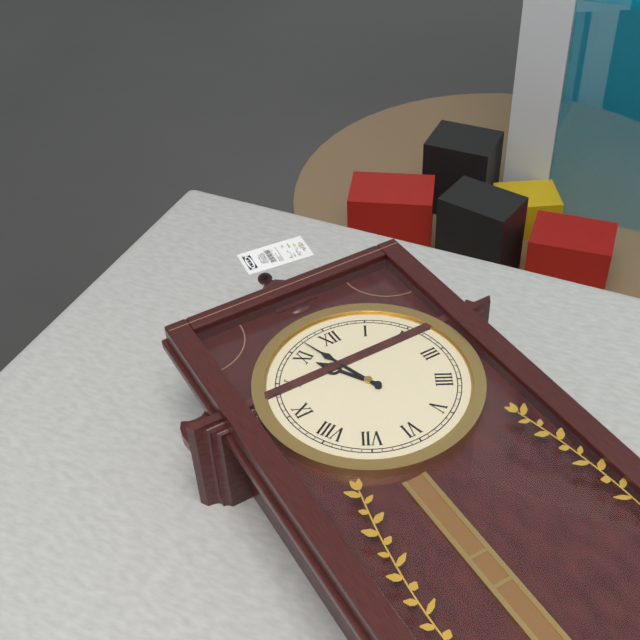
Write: {"hour": 10, "minute": 57}
